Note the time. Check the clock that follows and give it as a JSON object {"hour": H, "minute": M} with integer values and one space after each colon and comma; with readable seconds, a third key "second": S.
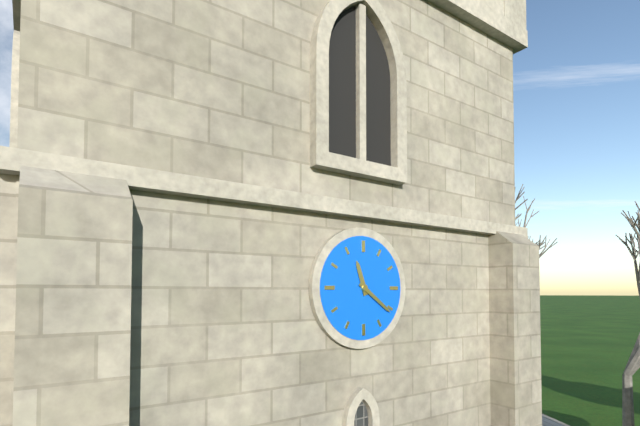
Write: {"hour": 11, "minute": 21}
